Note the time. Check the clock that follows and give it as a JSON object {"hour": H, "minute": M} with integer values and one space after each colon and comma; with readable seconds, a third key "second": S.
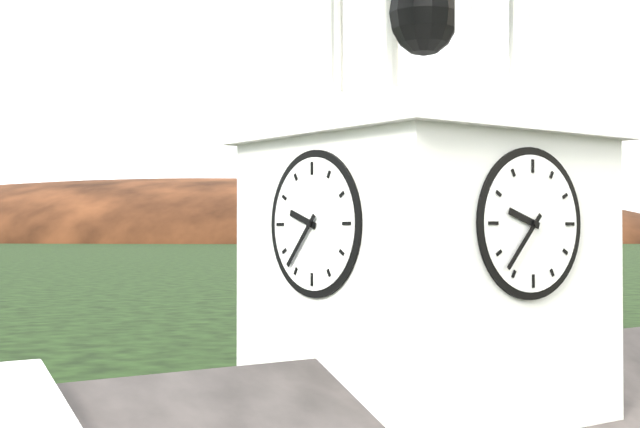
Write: {"hour": 9, "minute": 37}
